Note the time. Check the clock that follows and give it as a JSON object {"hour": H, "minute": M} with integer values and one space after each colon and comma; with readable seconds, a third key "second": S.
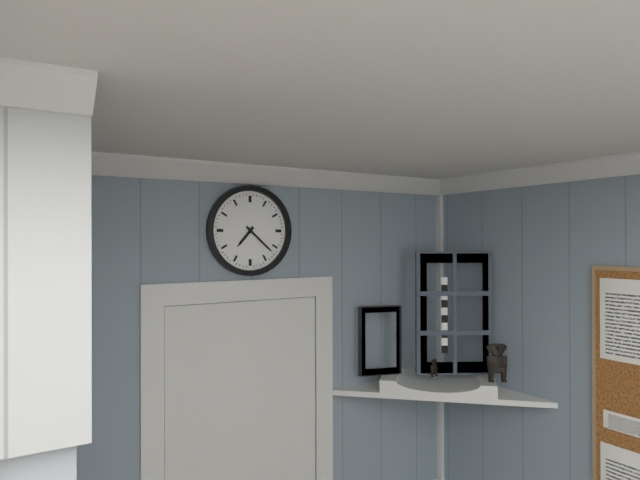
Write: {"hour": 7, "minute": 22}
